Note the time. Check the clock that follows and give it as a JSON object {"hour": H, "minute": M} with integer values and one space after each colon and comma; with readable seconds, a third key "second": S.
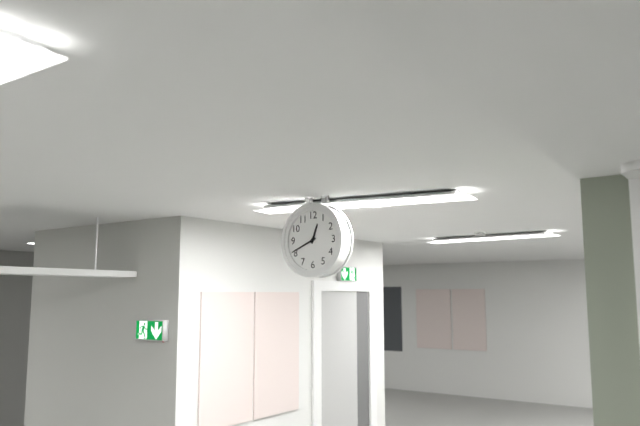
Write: {"hour": 12, "minute": 41}
